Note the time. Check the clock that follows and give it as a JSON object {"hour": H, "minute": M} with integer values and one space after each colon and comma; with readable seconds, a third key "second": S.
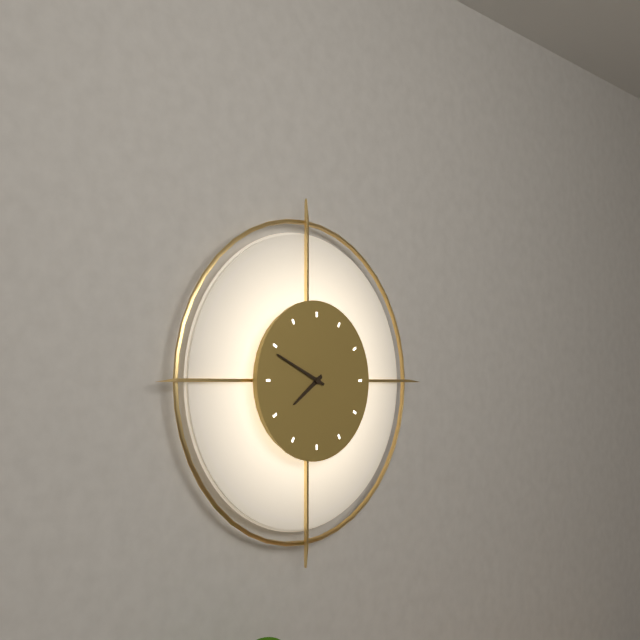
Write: {"hour": 7, "minute": 49}
